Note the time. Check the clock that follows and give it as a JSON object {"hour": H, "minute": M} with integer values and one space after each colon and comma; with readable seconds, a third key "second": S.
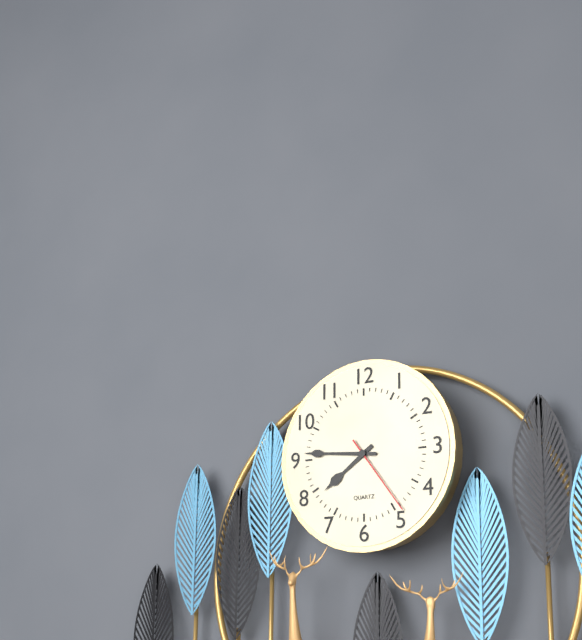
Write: {"hour": 7, "minute": 46, "second": 24}
